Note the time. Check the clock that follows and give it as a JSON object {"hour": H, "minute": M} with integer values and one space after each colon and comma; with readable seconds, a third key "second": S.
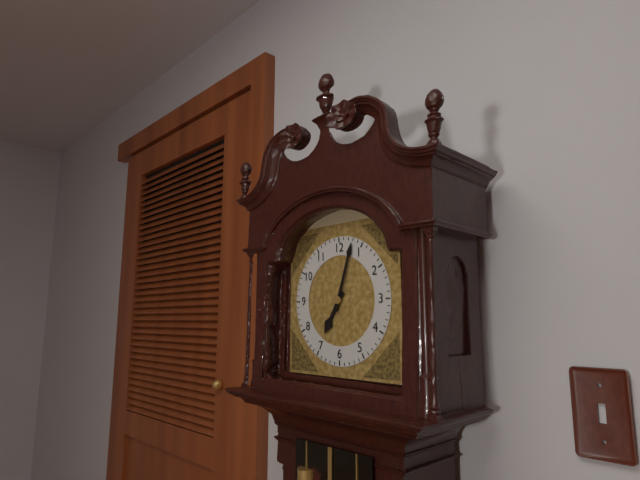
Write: {"hour": 7, "minute": 3}
